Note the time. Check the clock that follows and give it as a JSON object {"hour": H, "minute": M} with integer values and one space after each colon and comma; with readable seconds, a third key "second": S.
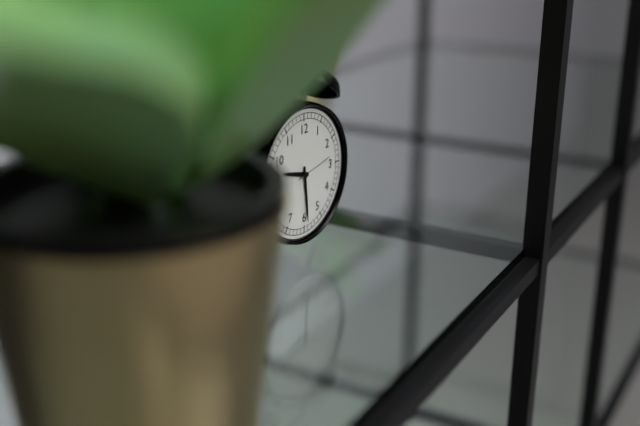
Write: {"hour": 9, "minute": 29}
